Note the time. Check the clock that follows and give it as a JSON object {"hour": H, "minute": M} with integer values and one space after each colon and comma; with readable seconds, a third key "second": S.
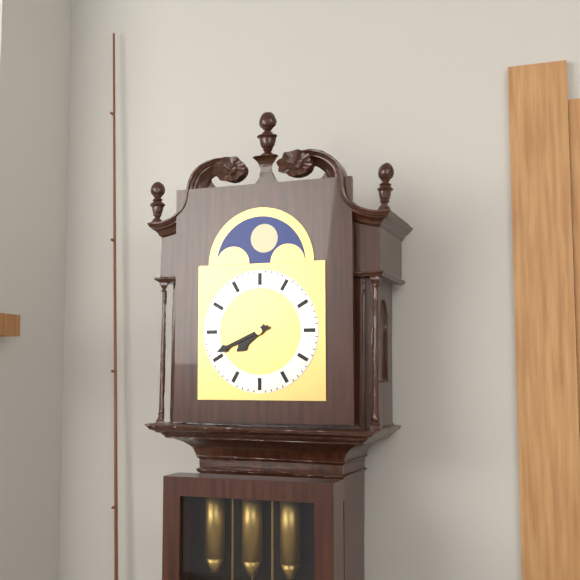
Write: {"hour": 7, "minute": 41}
